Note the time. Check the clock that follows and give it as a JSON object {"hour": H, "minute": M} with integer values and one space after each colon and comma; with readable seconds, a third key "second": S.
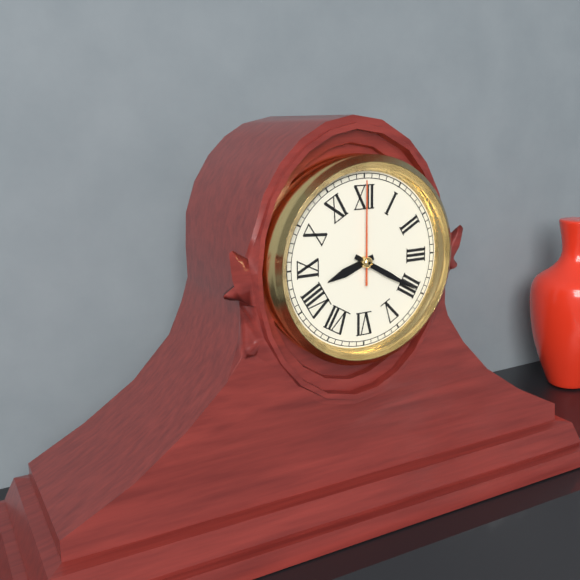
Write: {"hour": 8, "minute": 20, "second": 0}
